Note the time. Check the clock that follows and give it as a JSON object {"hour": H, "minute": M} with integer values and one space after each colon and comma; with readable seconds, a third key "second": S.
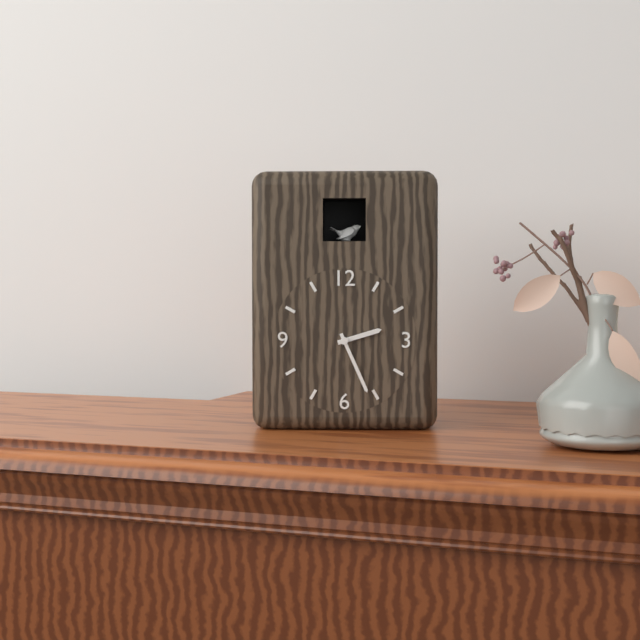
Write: {"hour": 2, "minute": 26}
